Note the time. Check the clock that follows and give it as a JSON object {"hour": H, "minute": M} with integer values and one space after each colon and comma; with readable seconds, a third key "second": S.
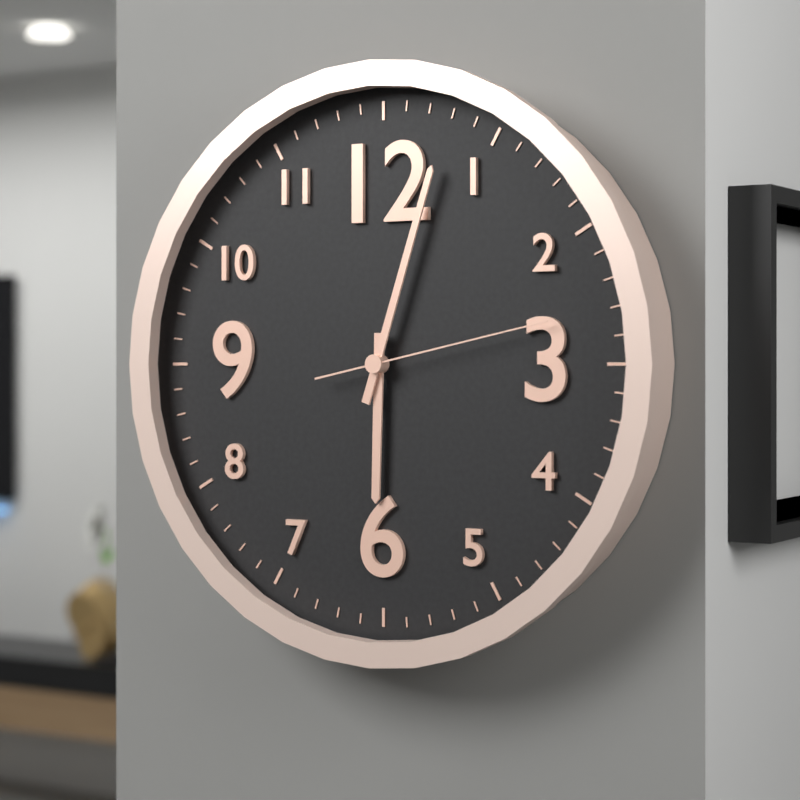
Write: {"hour": 6, "minute": 3, "second": 13}
